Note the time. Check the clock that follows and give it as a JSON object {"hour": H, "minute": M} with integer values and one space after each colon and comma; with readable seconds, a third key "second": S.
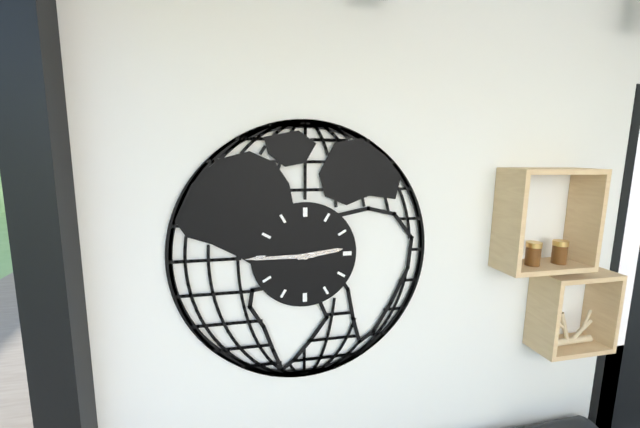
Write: {"hour": 2, "minute": 45}
